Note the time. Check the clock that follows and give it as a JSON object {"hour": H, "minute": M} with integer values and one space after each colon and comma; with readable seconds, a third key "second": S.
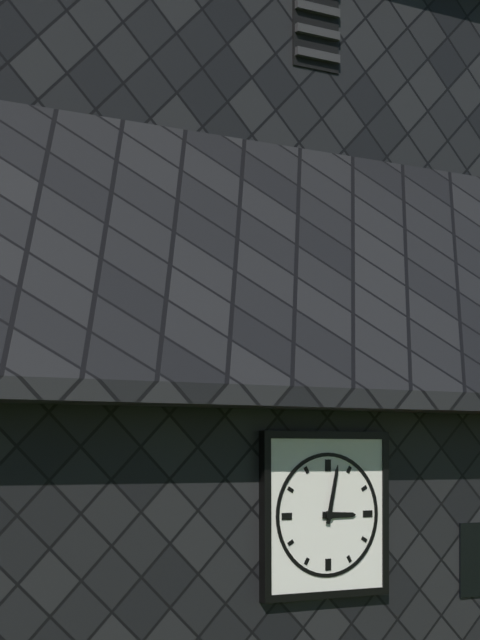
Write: {"hour": 3, "minute": 2}
